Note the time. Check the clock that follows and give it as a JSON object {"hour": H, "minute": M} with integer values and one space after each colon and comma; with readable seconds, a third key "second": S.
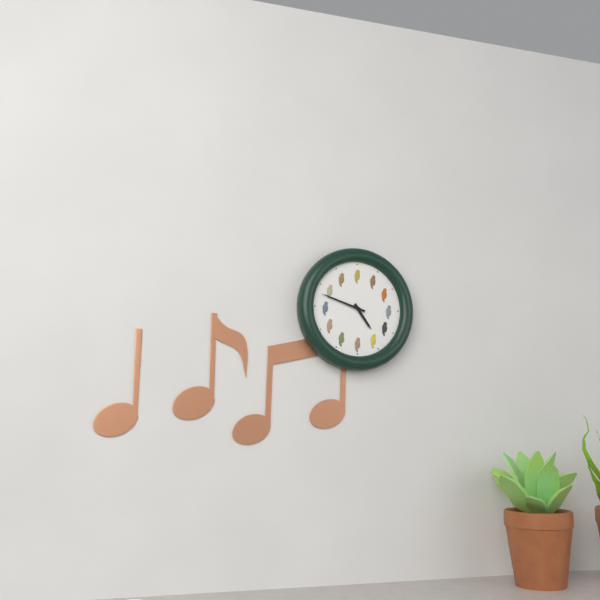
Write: {"hour": 4, "minute": 48}
